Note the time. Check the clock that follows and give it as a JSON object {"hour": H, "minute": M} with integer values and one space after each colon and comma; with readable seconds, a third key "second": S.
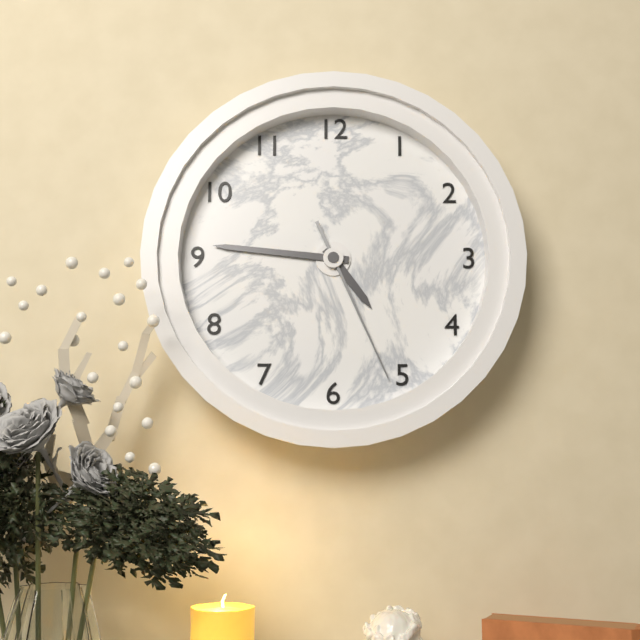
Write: {"hour": 4, "minute": 46, "second": 26}
